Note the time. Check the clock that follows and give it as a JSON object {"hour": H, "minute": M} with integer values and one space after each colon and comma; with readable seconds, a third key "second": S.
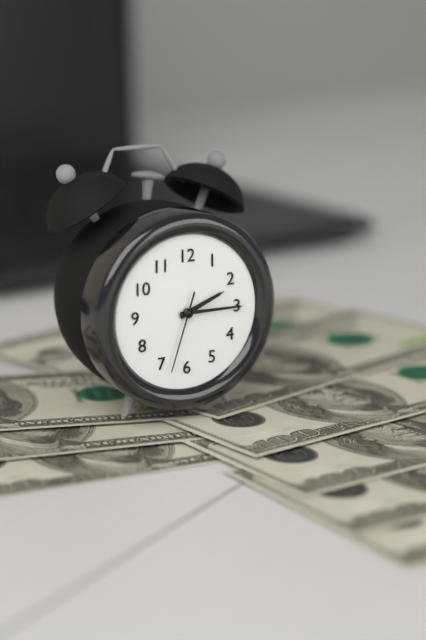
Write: {"hour": 2, "minute": 15, "second": 33}
